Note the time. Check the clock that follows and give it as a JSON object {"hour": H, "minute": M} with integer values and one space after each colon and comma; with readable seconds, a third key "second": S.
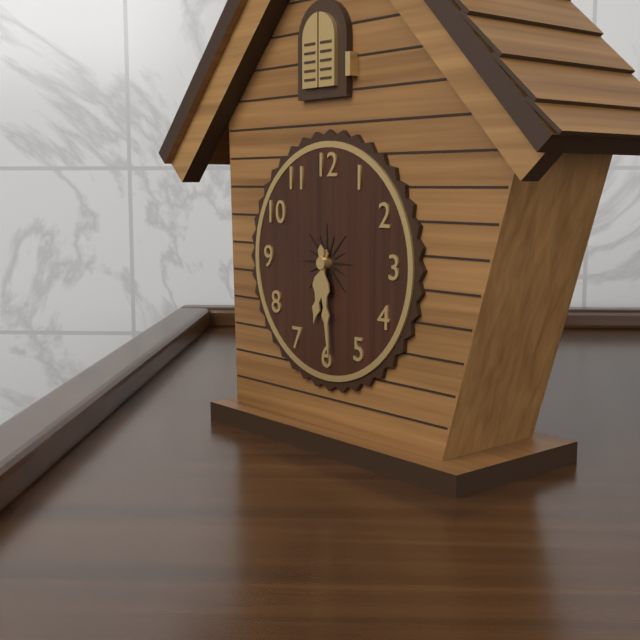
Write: {"hour": 6, "minute": 29}
